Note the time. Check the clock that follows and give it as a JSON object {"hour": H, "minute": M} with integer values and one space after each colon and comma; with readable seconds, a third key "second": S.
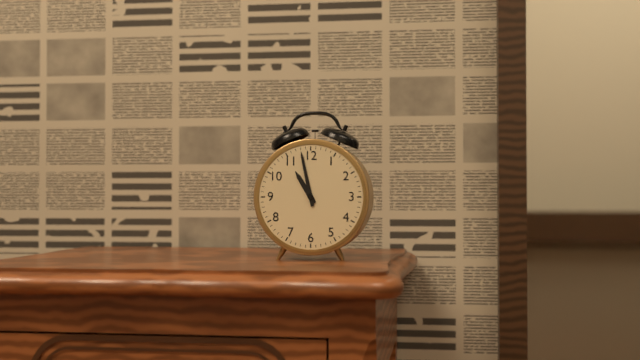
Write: {"hour": 10, "minute": 58}
